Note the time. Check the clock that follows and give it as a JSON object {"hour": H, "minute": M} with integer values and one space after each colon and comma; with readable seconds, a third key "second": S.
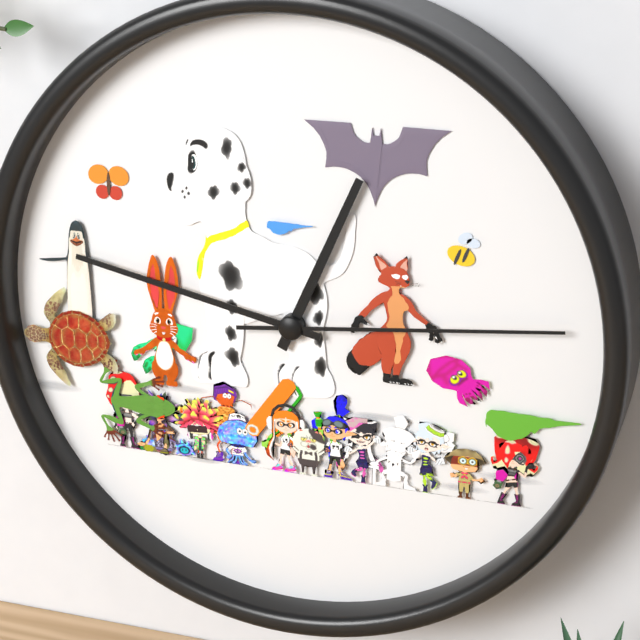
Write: {"hour": 12, "minute": 47, "second": 14}
